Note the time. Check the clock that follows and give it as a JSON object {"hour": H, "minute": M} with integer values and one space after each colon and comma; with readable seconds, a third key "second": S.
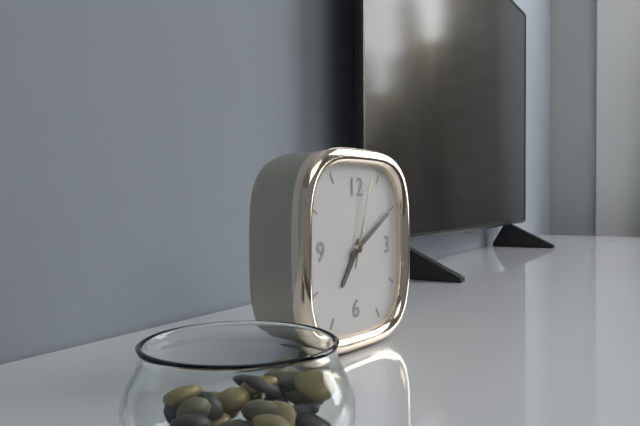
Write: {"hour": 7, "minute": 10, "second": 3}
